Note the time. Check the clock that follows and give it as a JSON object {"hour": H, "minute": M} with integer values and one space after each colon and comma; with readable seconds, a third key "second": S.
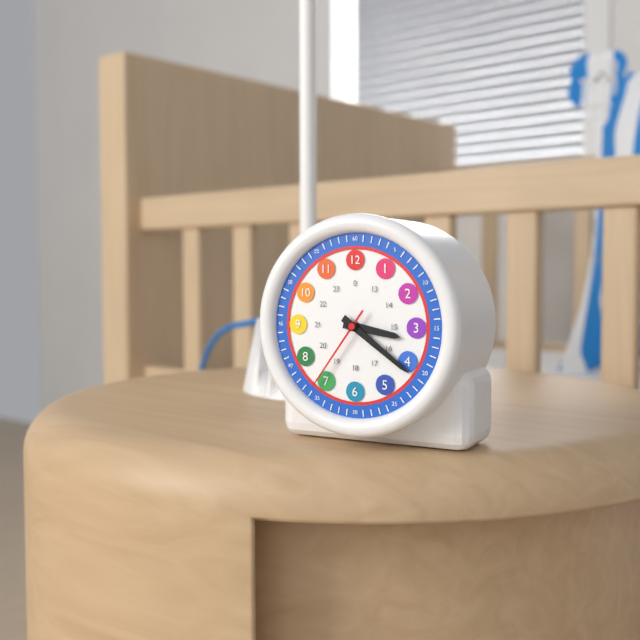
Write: {"hour": 3, "minute": 21, "second": 36}
